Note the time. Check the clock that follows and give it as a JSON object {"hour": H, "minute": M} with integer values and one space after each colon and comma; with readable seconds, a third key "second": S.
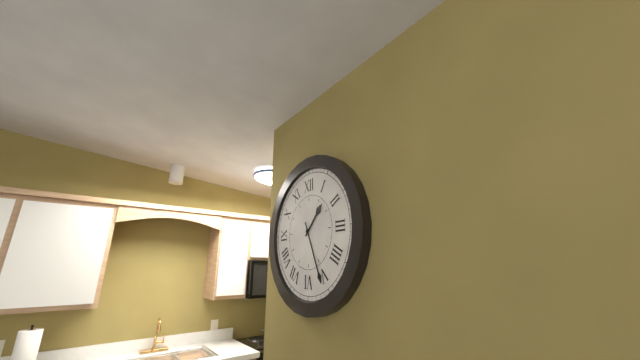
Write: {"hour": 1, "minute": 26}
